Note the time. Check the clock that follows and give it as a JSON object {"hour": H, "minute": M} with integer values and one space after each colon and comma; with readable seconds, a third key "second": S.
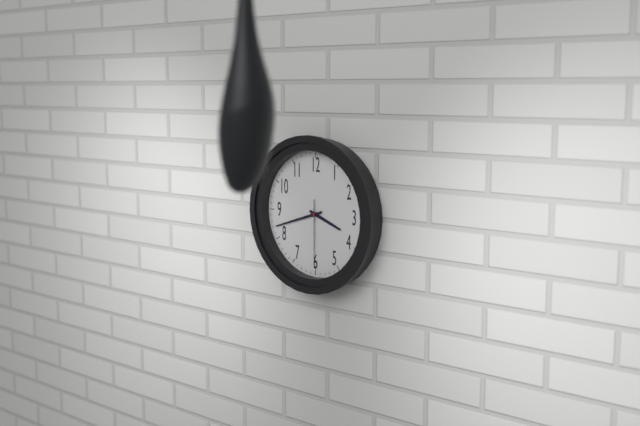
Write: {"hour": 3, "minute": 42, "second": 30}
